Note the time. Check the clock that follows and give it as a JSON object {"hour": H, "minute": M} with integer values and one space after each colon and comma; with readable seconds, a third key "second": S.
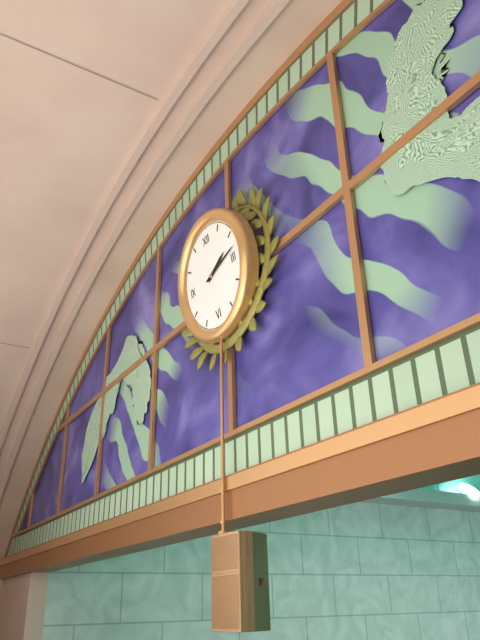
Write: {"hour": 2, "minute": 13}
